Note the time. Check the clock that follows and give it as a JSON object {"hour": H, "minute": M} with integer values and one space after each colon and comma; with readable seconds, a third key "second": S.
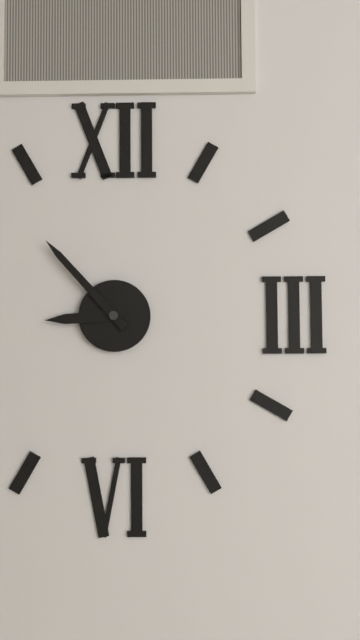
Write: {"hour": 8, "minute": 53}
